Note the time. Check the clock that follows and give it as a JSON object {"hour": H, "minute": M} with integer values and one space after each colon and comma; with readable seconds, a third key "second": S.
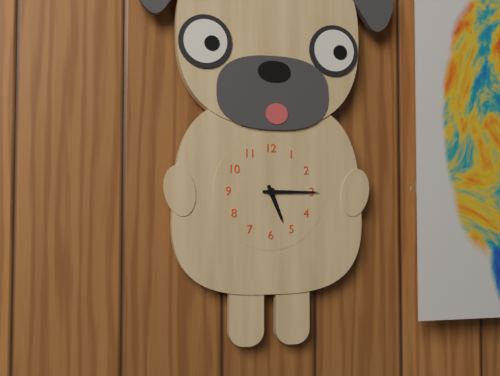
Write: {"hour": 5, "minute": 15}
